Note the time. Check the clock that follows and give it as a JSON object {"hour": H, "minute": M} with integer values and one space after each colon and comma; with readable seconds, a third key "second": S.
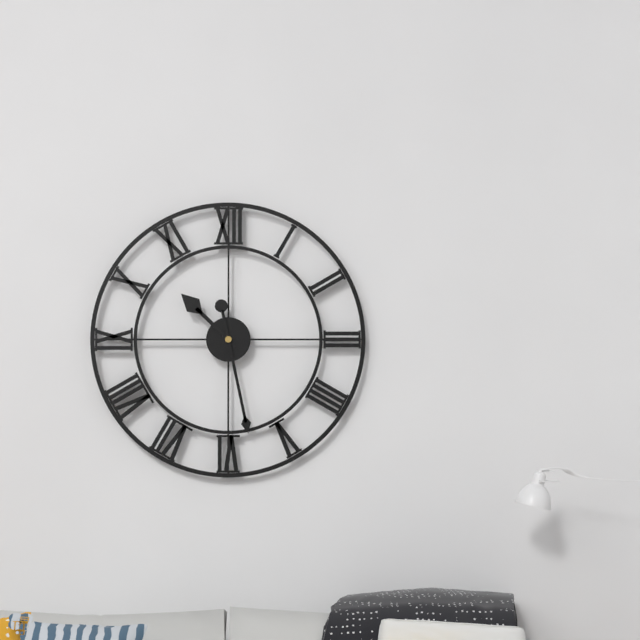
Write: {"hour": 10, "minute": 28}
